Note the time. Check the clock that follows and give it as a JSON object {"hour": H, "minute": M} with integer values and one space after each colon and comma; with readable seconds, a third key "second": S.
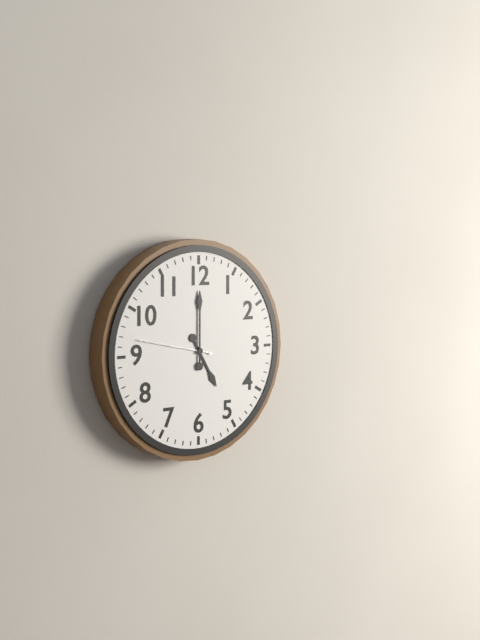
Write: {"hour": 5, "minute": 0, "second": 47}
